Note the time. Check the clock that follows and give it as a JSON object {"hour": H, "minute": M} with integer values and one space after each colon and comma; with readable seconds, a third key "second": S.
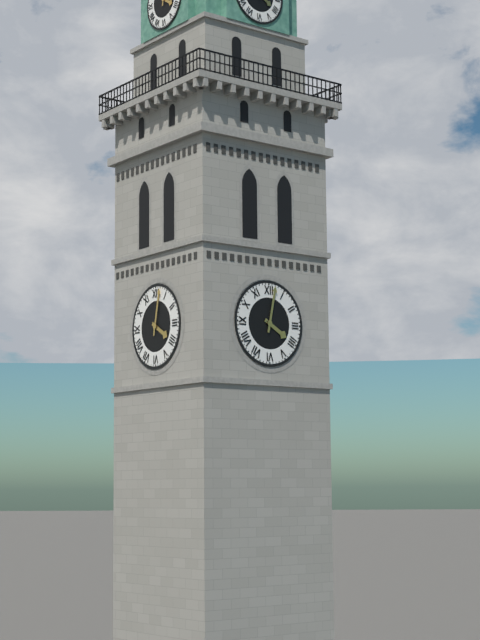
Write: {"hour": 4, "minute": 2}
